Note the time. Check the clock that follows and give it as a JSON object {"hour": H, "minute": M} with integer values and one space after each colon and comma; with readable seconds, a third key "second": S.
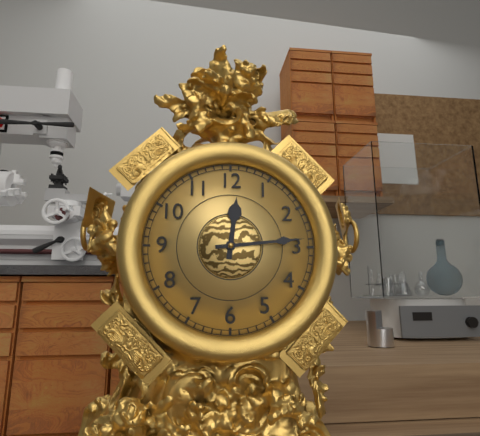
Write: {"hour": 12, "minute": 14}
